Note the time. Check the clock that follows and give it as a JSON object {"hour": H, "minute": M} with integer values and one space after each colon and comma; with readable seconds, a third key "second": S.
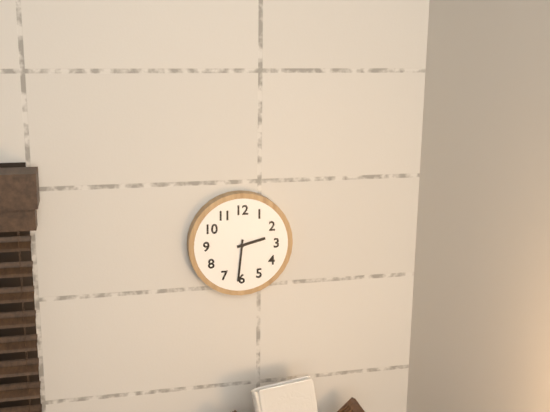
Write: {"hour": 2, "minute": 31}
